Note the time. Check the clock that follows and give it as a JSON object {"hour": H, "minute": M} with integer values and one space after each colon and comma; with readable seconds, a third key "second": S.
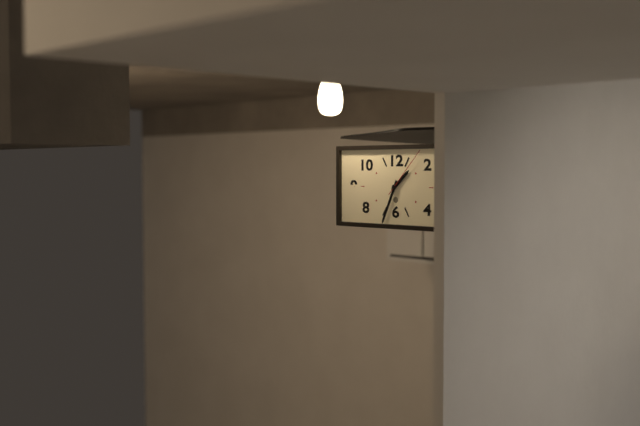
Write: {"hour": 1, "minute": 34, "second": 7}
